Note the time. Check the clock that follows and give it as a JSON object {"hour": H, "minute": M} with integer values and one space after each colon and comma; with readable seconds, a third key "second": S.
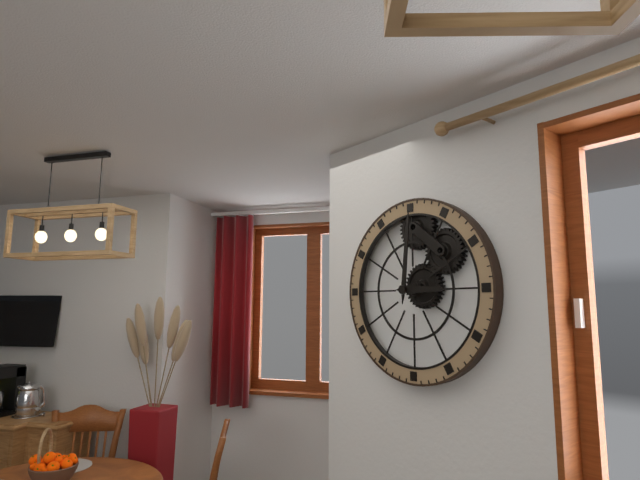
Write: {"hour": 3, "minute": 1}
